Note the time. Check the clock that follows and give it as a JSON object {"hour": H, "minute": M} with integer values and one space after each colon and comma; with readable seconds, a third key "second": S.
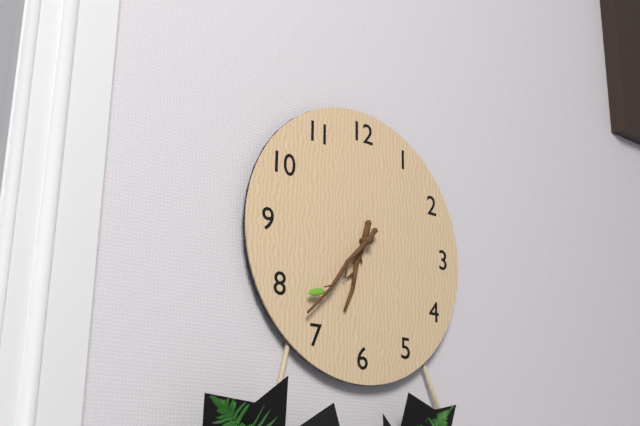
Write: {"hour": 6, "minute": 37}
